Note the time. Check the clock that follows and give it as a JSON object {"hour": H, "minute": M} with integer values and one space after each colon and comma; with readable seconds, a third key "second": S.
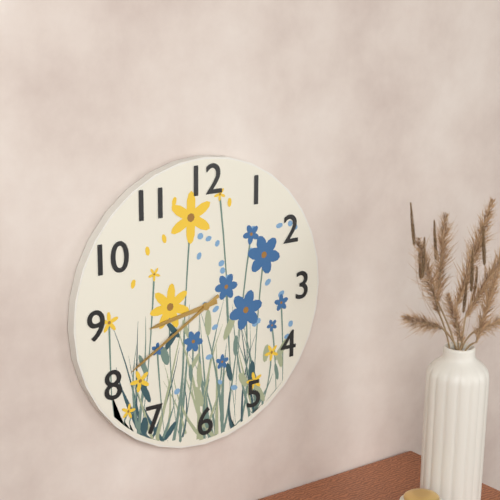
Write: {"hour": 8, "minute": 40}
